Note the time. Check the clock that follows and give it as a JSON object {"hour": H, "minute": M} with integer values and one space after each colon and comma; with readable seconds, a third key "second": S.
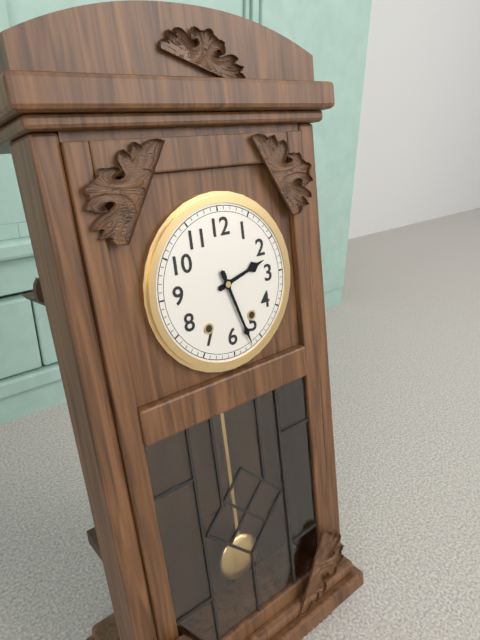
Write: {"hour": 2, "minute": 27}
